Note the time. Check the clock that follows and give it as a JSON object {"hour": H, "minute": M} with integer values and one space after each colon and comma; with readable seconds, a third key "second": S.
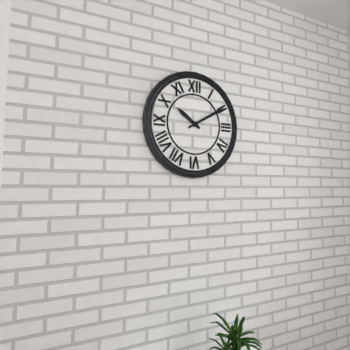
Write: {"hour": 10, "minute": 10}
